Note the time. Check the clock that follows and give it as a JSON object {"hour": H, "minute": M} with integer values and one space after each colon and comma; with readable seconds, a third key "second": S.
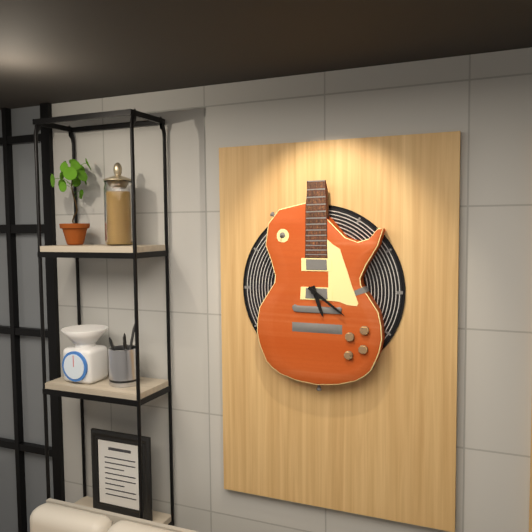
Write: {"hour": 5, "minute": 21}
